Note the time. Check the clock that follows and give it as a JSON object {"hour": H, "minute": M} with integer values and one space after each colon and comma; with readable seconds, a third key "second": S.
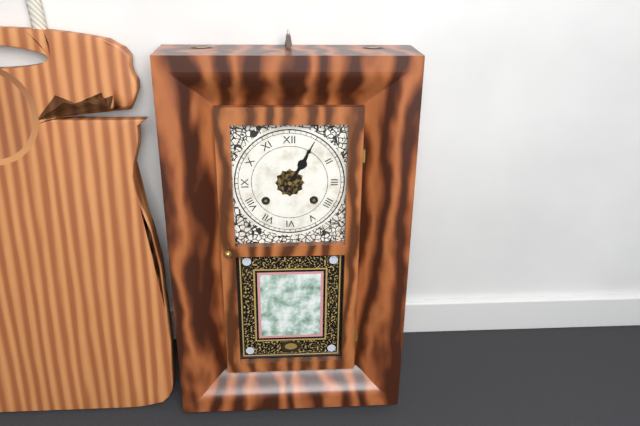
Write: {"hour": 1, "minute": 5}
